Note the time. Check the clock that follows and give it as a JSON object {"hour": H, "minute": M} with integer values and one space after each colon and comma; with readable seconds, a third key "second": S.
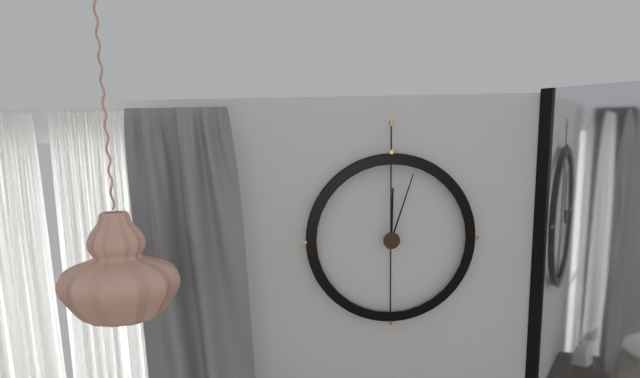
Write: {"hour": 12, "minute": 3}
